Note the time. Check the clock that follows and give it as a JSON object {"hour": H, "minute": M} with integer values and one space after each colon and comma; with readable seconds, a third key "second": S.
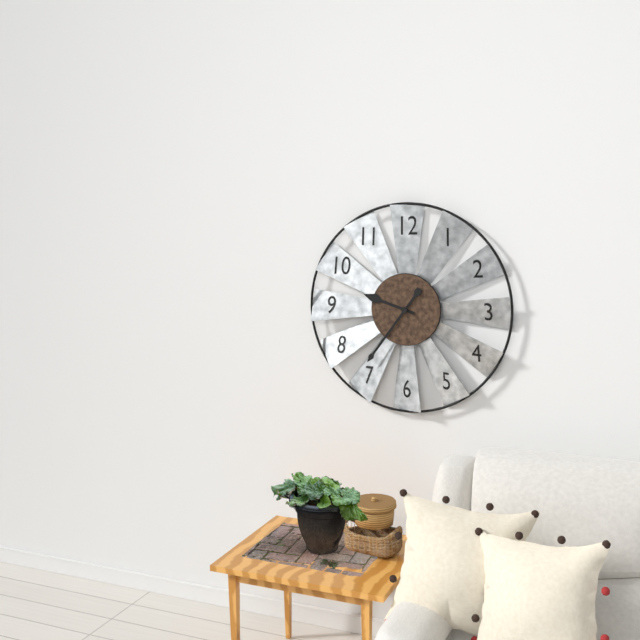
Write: {"hour": 9, "minute": 36}
